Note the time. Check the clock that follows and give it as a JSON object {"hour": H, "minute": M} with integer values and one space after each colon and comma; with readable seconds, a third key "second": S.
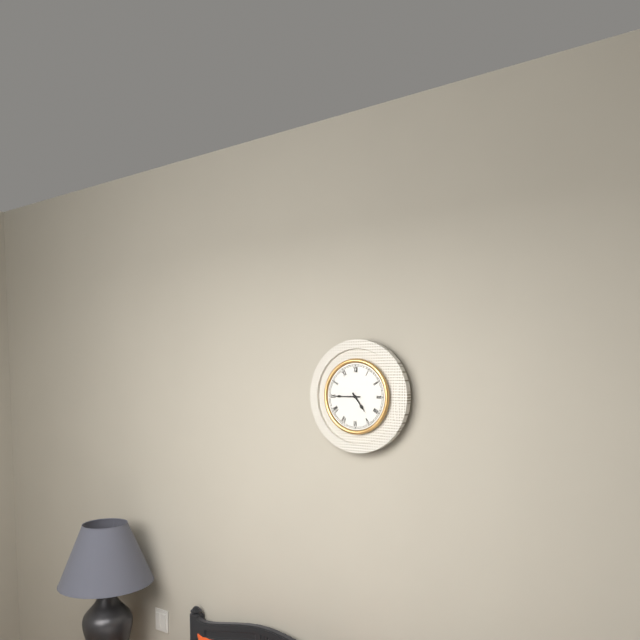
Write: {"hour": 4, "minute": 45}
